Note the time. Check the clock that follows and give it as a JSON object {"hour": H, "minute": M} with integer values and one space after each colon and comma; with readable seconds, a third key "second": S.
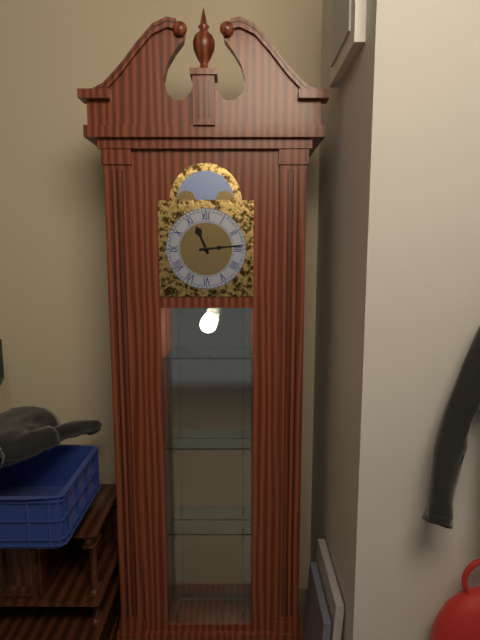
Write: {"hour": 11, "minute": 14}
